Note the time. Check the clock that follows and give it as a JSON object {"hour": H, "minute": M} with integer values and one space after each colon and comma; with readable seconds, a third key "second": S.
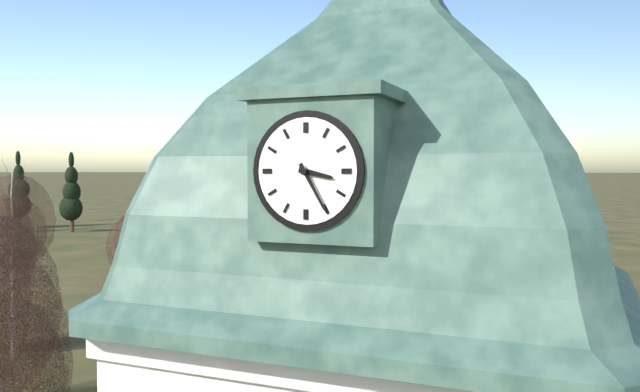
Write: {"hour": 3, "minute": 25}
